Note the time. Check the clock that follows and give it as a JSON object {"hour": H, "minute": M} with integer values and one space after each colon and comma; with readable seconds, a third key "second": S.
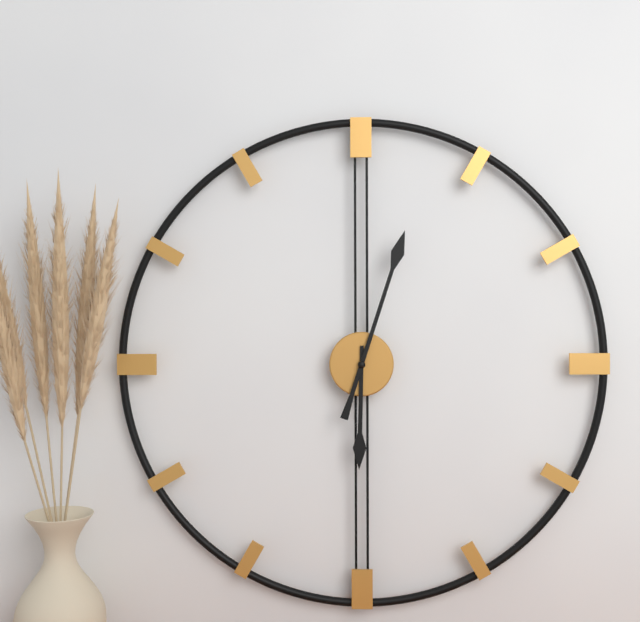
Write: {"hour": 6, "minute": 3}
